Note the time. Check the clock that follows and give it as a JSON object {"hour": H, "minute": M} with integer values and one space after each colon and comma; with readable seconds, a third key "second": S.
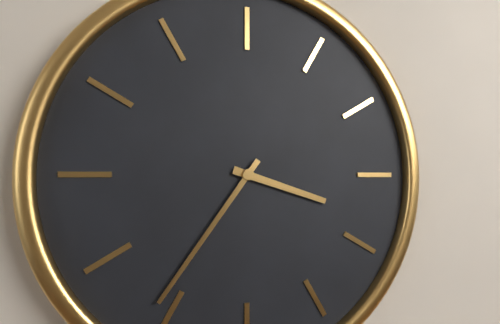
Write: {"hour": 3, "minute": 36}
